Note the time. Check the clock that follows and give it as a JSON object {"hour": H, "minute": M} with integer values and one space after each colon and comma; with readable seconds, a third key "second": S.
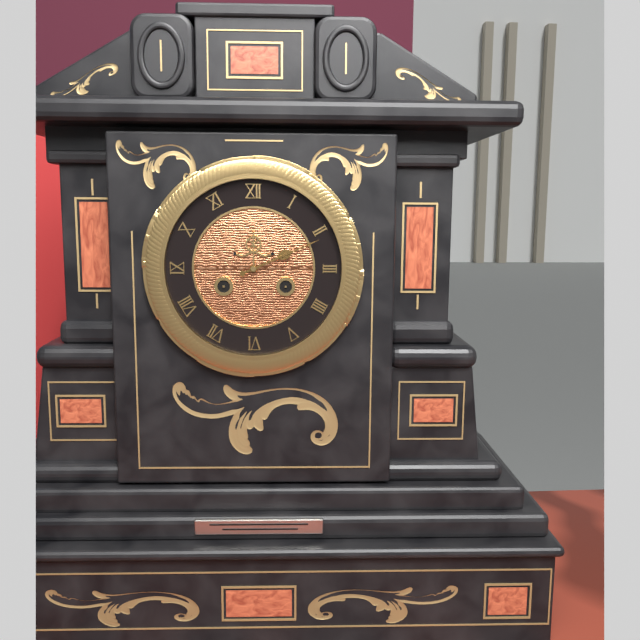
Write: {"hour": 2, "minute": 11}
